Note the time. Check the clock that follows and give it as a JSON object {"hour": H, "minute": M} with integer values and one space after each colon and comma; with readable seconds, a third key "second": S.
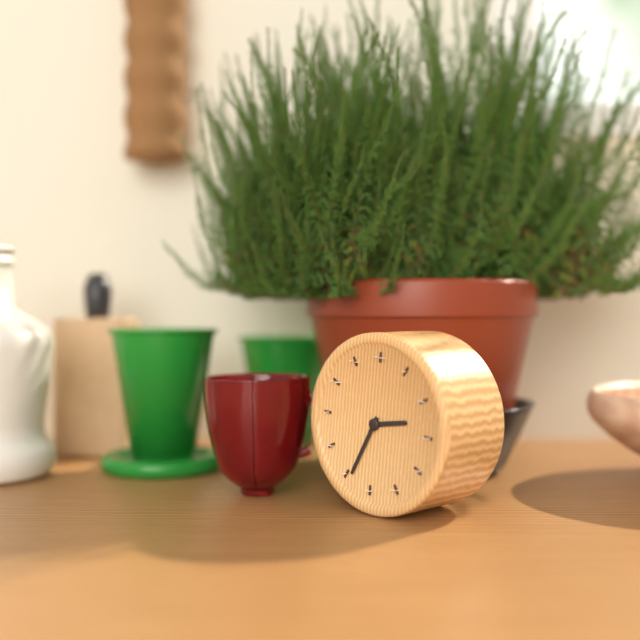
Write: {"hour": 2, "minute": 34}
